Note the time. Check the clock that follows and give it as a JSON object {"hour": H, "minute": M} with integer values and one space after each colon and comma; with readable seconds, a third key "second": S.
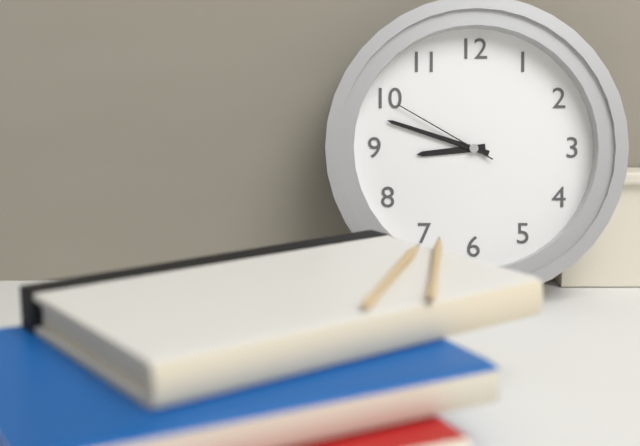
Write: {"hour": 8, "minute": 48, "second": 50}
